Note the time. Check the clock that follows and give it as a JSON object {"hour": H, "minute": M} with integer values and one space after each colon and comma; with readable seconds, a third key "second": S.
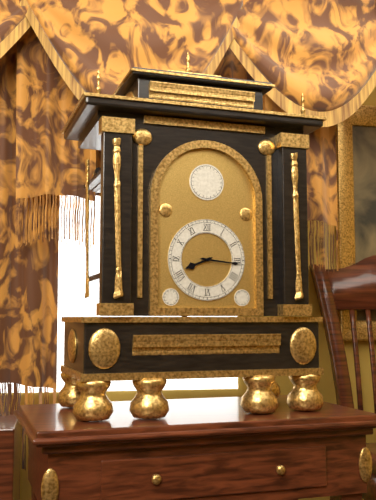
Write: {"hour": 8, "minute": 16}
